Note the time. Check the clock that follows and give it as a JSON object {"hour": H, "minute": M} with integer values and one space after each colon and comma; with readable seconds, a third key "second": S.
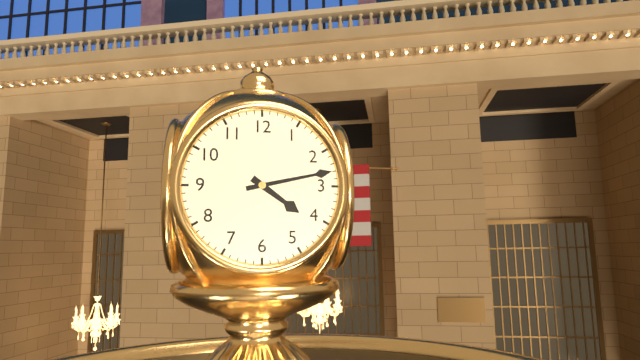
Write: {"hour": 4, "minute": 13}
